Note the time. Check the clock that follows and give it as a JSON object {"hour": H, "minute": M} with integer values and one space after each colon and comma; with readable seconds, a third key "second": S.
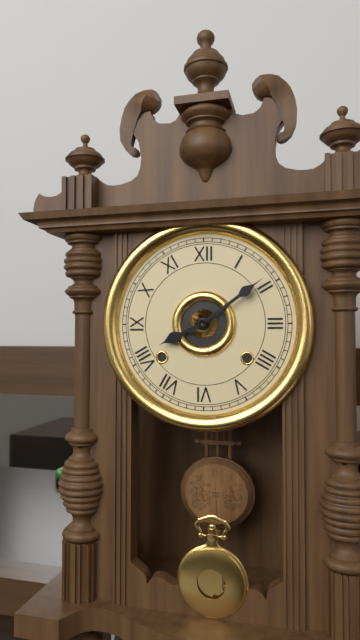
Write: {"hour": 8, "minute": 9}
